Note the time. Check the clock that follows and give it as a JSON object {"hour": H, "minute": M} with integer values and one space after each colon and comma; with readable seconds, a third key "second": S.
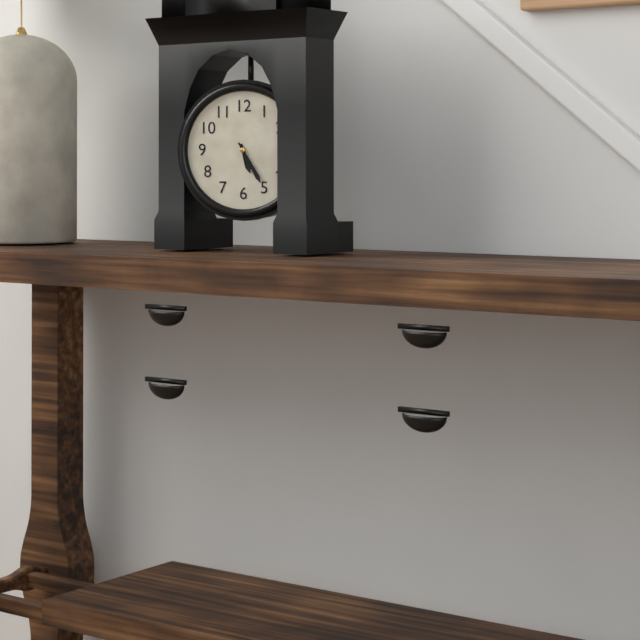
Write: {"hour": 5, "minute": 25}
